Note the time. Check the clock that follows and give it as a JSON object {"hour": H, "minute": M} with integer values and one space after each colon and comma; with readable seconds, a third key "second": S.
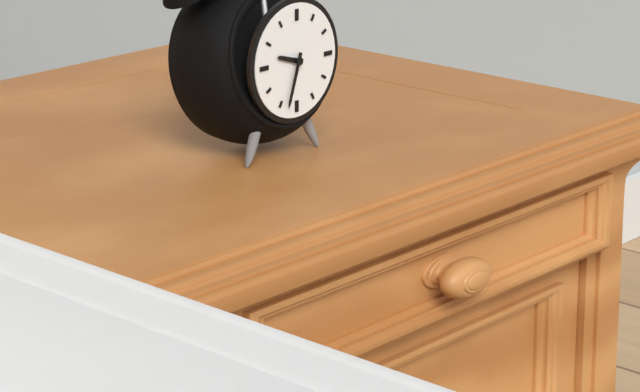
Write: {"hour": 9, "minute": 33}
